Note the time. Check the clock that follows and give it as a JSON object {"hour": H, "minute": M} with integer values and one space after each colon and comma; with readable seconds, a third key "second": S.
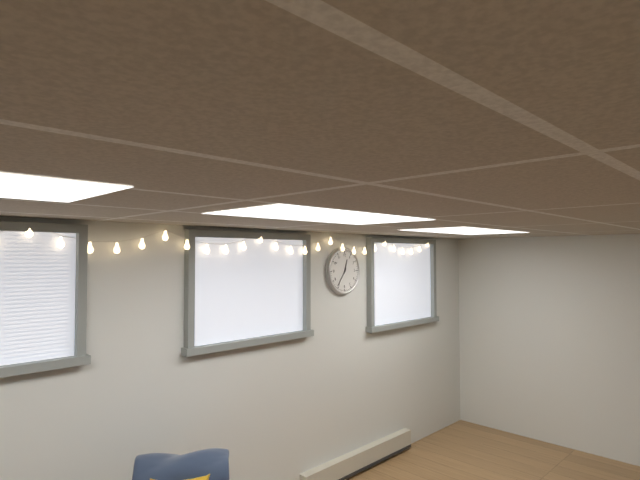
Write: {"hour": 12, "minute": 36}
